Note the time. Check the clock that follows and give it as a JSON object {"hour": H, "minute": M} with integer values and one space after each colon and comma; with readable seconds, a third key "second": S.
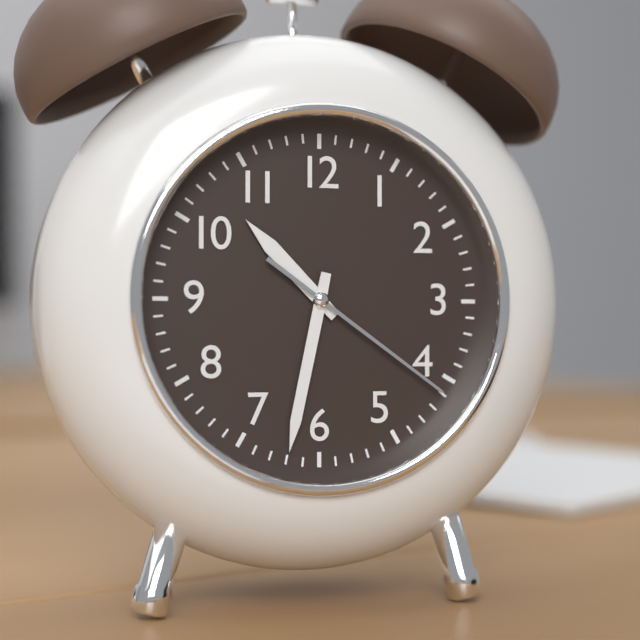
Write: {"hour": 10, "minute": 32, "second": 21}
